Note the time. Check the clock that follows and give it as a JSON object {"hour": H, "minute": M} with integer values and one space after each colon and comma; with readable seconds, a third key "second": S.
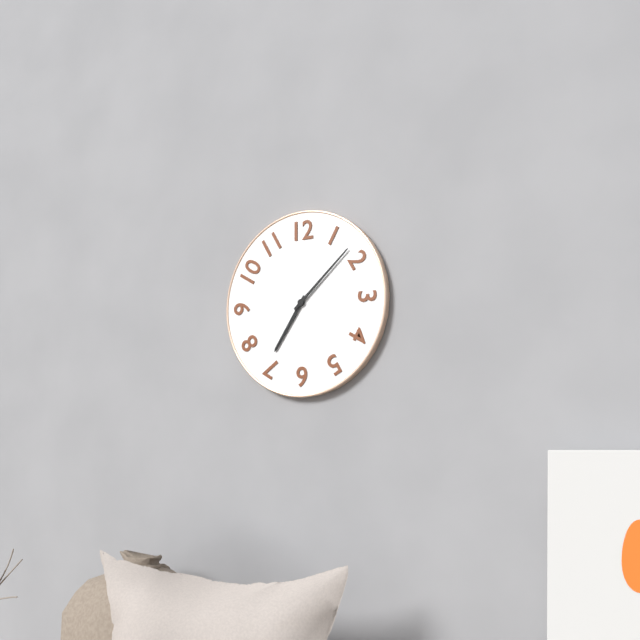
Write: {"hour": 7, "minute": 8}
